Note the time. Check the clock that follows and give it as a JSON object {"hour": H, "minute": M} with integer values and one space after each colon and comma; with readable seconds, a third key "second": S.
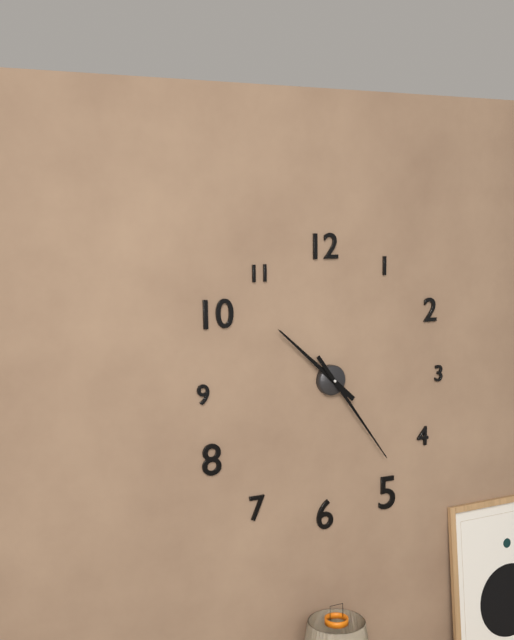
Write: {"hour": 10, "minute": 24}
